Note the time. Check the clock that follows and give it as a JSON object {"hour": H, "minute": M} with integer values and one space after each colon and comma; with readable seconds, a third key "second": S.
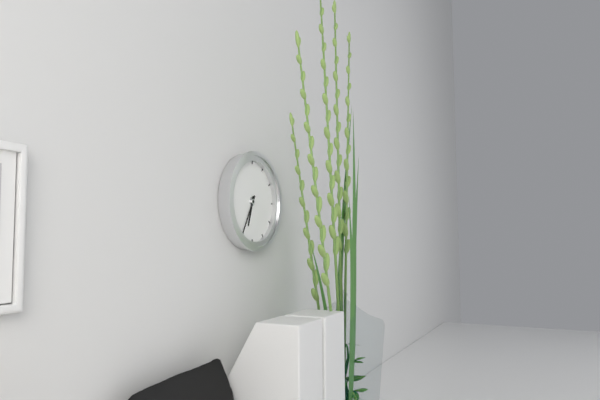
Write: {"hour": 6, "minute": 35}
